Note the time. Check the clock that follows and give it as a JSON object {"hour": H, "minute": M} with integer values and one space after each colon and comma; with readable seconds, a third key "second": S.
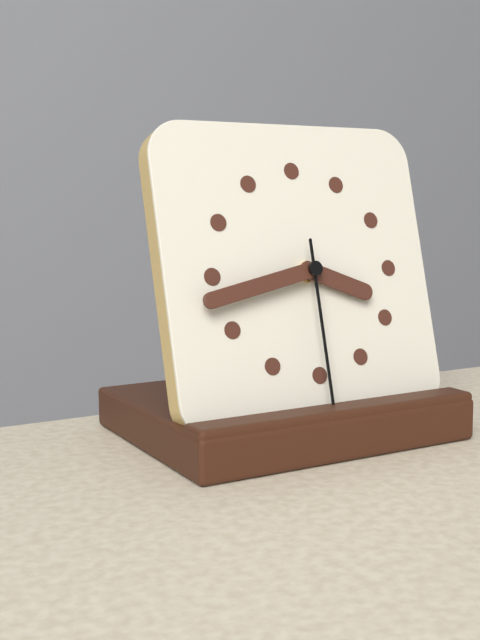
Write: {"hour": 3, "minute": 43, "second": 30}
